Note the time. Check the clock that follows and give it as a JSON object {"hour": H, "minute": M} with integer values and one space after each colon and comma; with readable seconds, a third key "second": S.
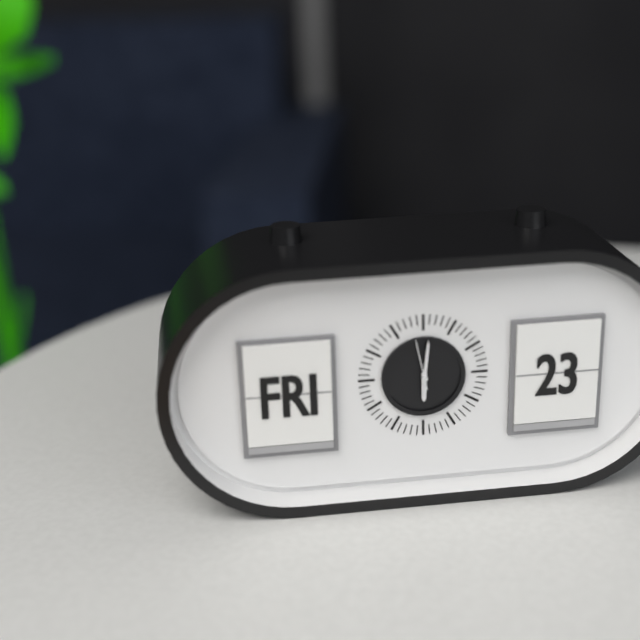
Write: {"hour": 6, "minute": 1}
